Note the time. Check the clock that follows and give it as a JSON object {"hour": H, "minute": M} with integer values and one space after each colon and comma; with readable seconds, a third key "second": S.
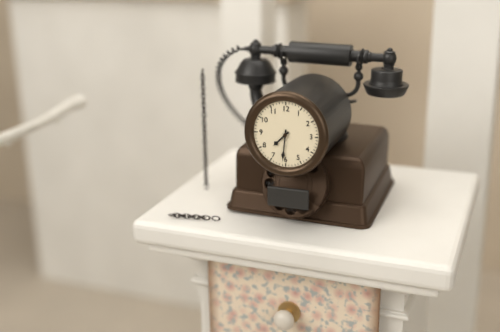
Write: {"hour": 7, "minute": 31}
